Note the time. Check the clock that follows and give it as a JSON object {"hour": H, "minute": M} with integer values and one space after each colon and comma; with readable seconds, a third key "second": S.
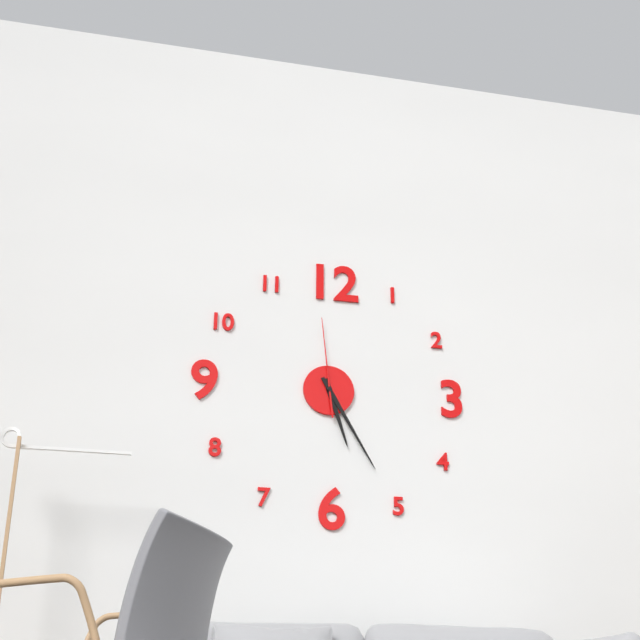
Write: {"hour": 5, "minute": 25, "second": 59}
